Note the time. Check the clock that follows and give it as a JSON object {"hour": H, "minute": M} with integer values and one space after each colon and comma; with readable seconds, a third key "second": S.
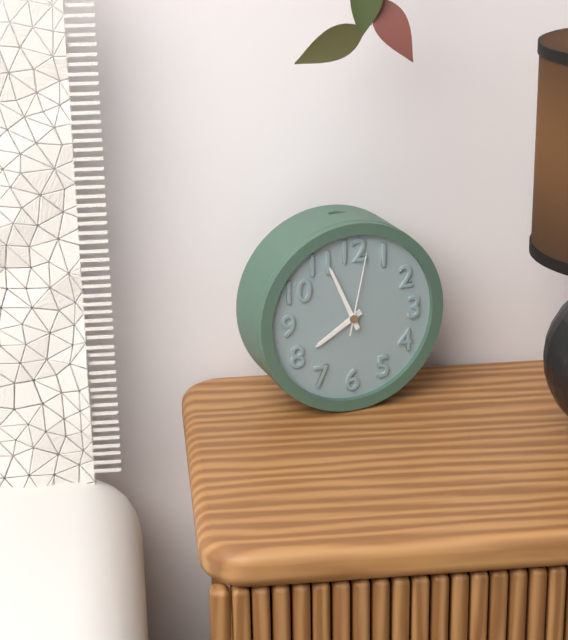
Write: {"hour": 7, "minute": 56, "second": 2}
